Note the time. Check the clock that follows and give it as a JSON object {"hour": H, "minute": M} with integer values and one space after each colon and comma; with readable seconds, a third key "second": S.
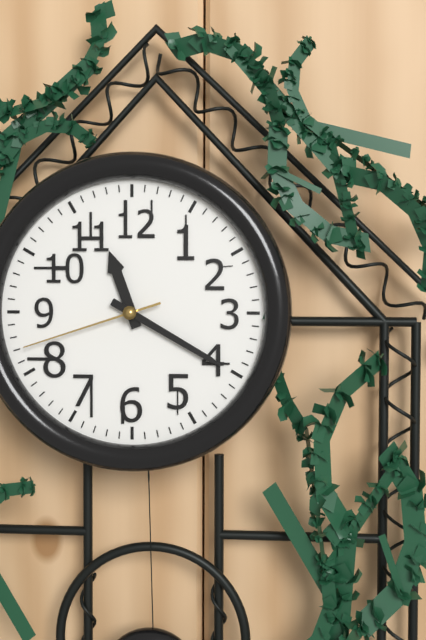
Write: {"hour": 11, "minute": 20, "second": 42}
